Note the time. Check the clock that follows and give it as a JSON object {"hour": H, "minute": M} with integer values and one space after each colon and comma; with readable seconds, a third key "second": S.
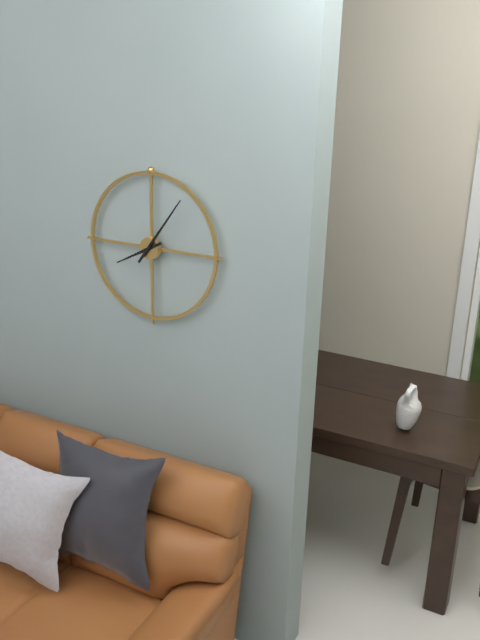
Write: {"hour": 8, "minute": 6}
